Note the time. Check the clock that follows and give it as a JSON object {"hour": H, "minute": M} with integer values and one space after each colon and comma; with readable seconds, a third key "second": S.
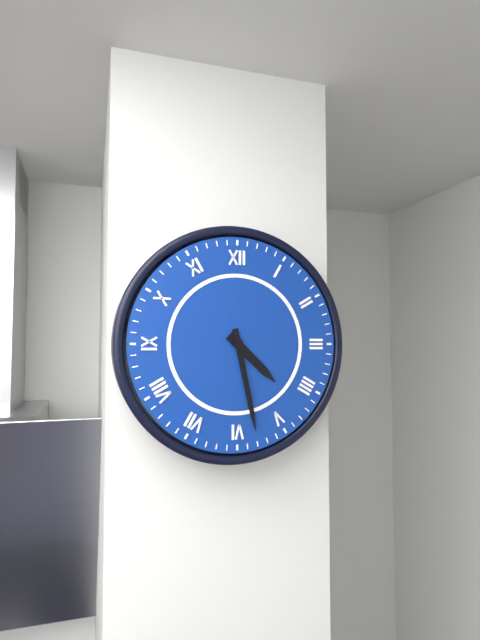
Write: {"hour": 4, "minute": 28}
